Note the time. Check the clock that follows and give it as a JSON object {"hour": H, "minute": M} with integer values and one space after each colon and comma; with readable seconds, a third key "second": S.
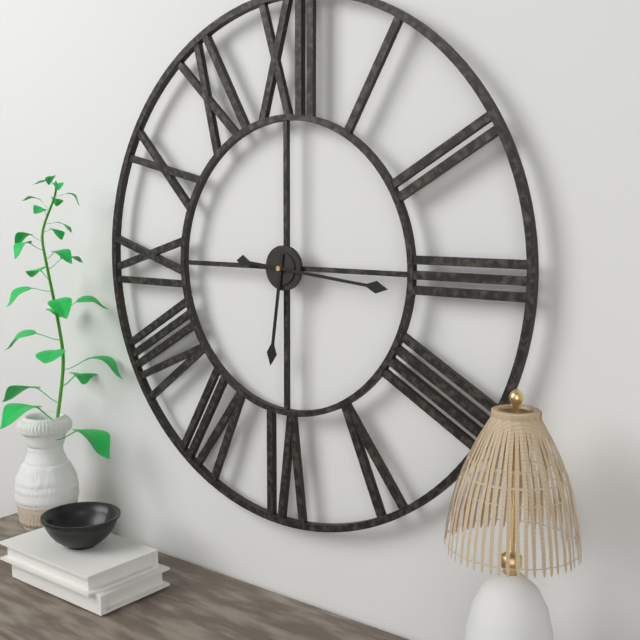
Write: {"hour": 6, "minute": 16}
